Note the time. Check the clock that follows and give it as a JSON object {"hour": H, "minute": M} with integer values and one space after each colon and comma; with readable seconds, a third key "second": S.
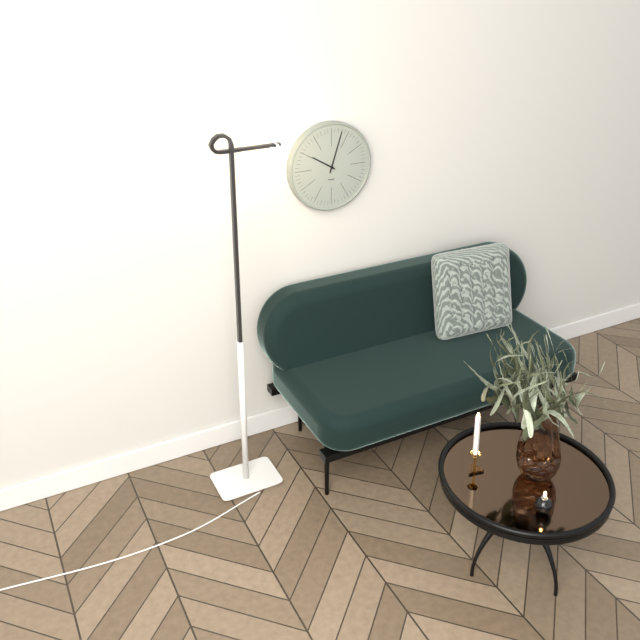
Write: {"hour": 10, "minute": 3}
